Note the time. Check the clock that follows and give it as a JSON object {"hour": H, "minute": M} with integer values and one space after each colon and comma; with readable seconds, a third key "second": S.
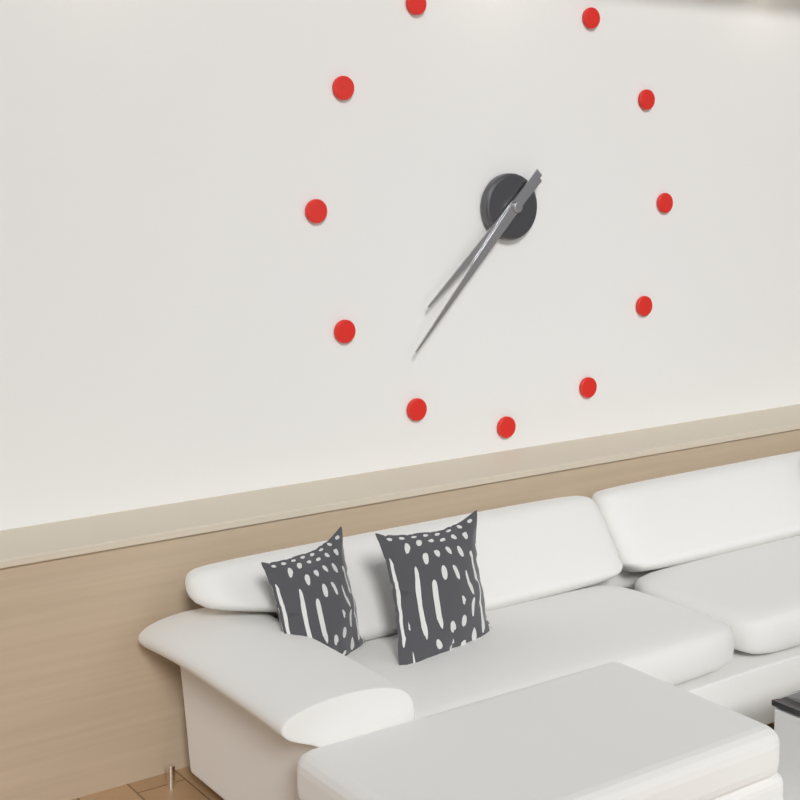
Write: {"hour": 7, "minute": 37}
